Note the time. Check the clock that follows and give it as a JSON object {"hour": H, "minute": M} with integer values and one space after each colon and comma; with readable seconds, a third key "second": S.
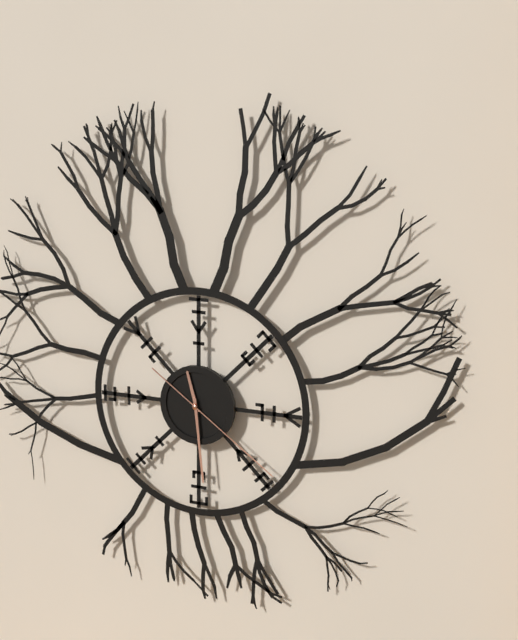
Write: {"hour": 11, "minute": 29, "second": 21}
